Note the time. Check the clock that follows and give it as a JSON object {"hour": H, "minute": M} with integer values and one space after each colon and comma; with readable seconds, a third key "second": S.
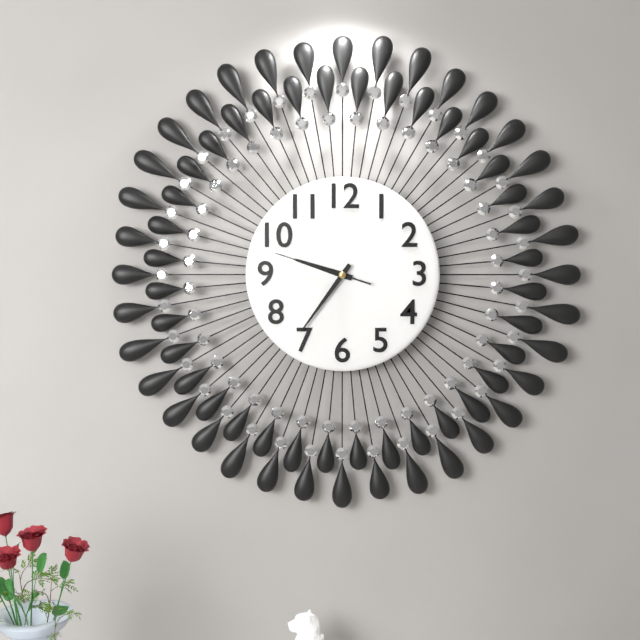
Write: {"hour": 9, "minute": 36, "second": 48}
